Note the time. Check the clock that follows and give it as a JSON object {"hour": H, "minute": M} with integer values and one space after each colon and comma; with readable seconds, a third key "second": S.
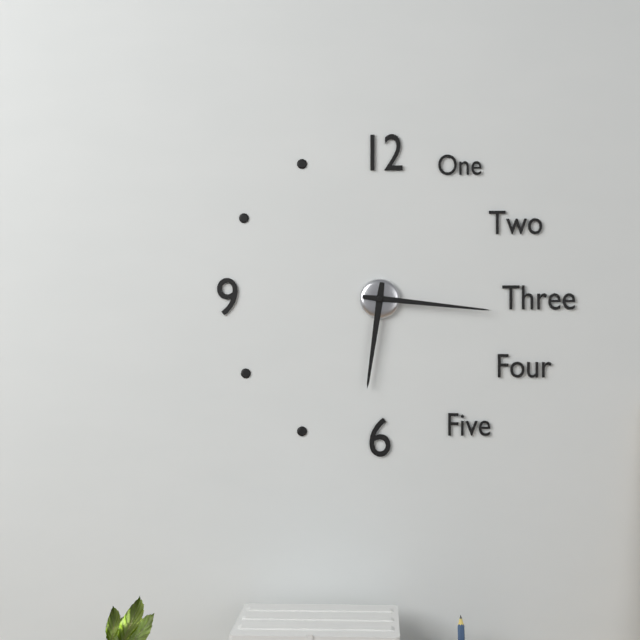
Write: {"hour": 6, "minute": 16}
